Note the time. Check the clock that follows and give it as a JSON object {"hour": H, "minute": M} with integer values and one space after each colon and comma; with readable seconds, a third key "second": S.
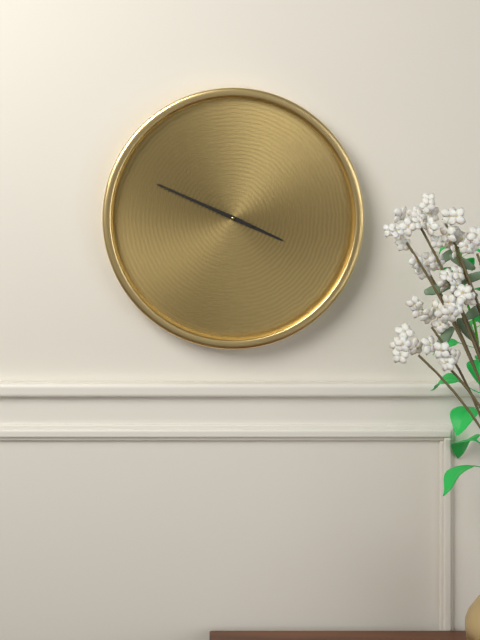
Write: {"hour": 3, "minute": 49}
